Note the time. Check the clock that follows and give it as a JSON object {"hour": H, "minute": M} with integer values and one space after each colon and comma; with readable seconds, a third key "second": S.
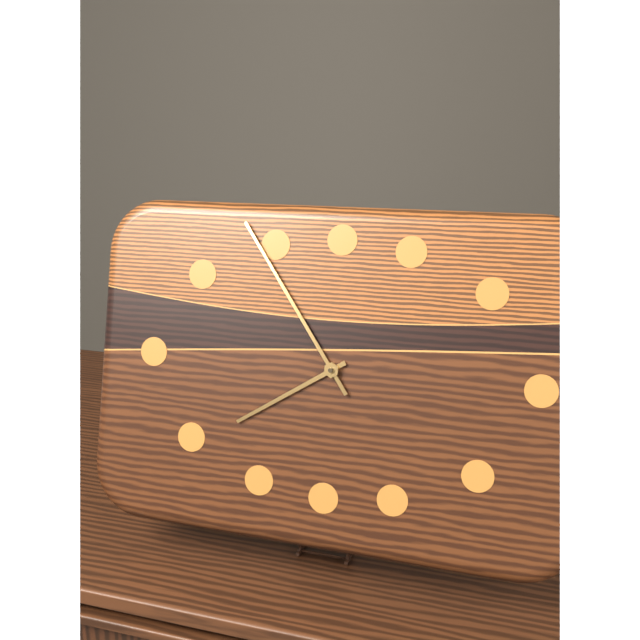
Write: {"hour": 7, "minute": 54}
